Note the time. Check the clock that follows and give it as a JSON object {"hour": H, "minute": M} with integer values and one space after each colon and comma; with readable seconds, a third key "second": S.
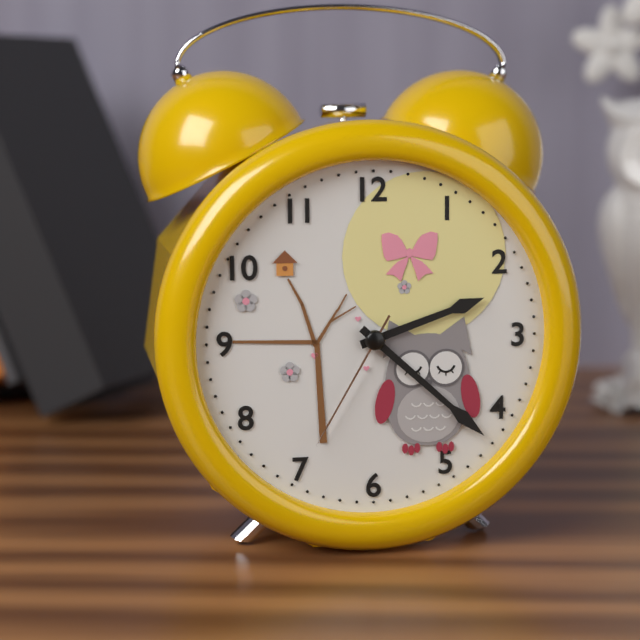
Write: {"hour": 2, "minute": 22, "second": 35}
